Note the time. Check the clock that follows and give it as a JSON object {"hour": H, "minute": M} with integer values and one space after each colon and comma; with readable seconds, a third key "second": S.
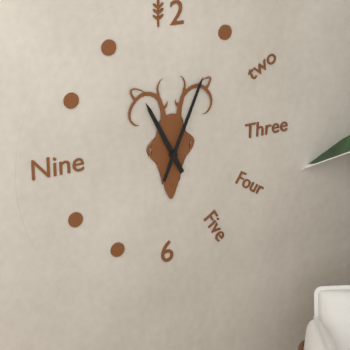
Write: {"hour": 11, "minute": 4}
